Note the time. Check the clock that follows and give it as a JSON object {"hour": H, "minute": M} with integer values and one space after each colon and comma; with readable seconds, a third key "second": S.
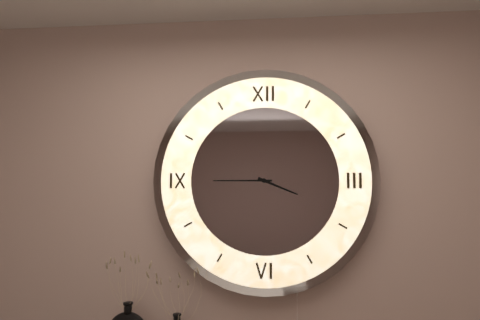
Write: {"hour": 3, "minute": 45}
